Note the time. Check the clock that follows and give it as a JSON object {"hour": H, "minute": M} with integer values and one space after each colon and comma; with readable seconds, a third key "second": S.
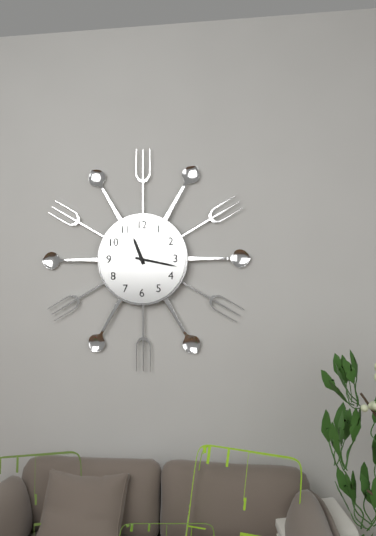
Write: {"hour": 11, "minute": 17}
